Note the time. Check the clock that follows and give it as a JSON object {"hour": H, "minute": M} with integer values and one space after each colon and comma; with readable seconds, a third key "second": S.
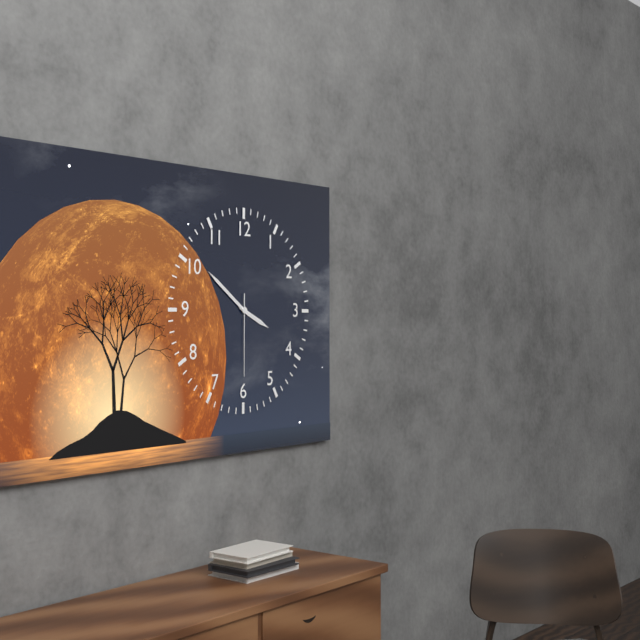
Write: {"hour": 3, "minute": 51, "second": 30}
